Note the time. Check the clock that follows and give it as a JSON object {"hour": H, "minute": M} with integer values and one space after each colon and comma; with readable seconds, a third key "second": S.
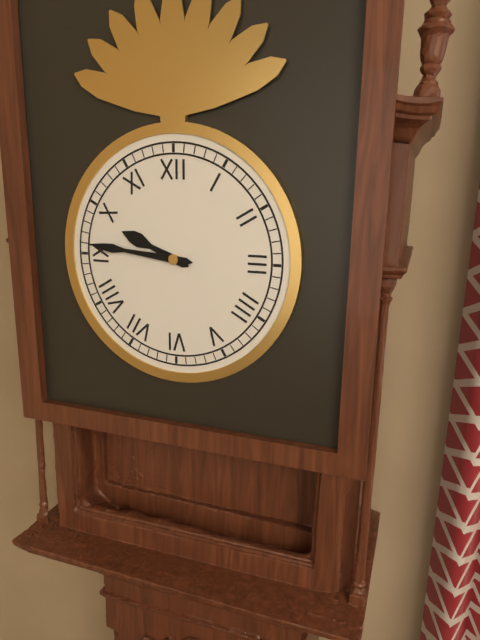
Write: {"hour": 9, "minute": 46}
